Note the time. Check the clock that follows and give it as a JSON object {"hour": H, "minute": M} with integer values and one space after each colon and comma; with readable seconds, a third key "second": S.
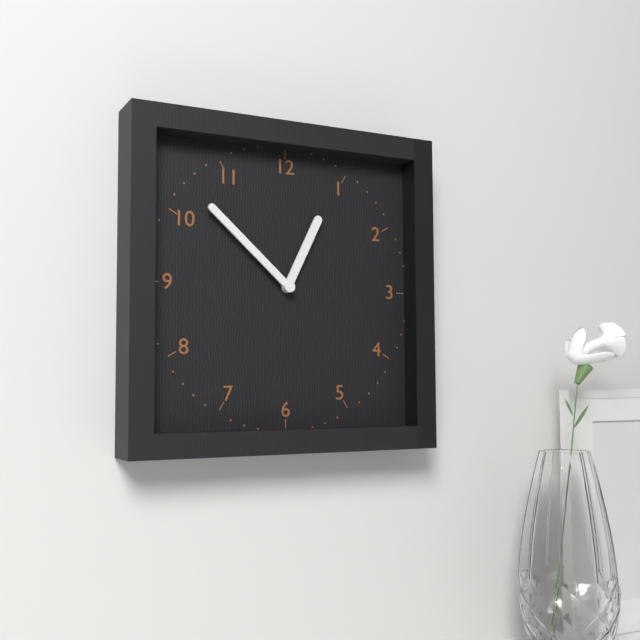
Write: {"hour": 12, "minute": 52}
